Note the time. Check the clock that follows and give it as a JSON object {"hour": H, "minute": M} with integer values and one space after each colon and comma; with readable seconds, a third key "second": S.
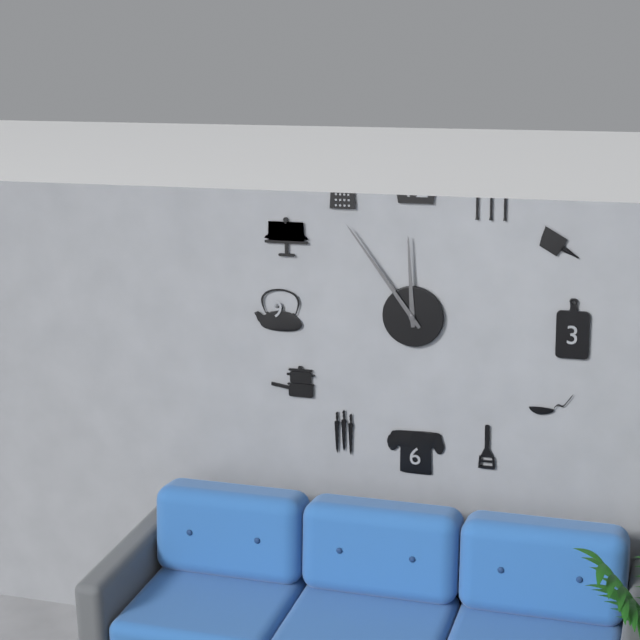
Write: {"hour": 11, "minute": 54}
